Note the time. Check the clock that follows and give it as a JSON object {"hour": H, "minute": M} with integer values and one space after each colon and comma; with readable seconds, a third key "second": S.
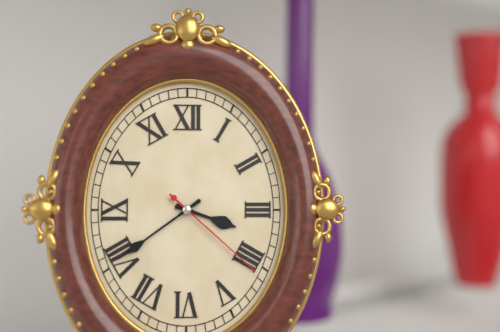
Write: {"hour": 3, "minute": 39, "second": 22}
